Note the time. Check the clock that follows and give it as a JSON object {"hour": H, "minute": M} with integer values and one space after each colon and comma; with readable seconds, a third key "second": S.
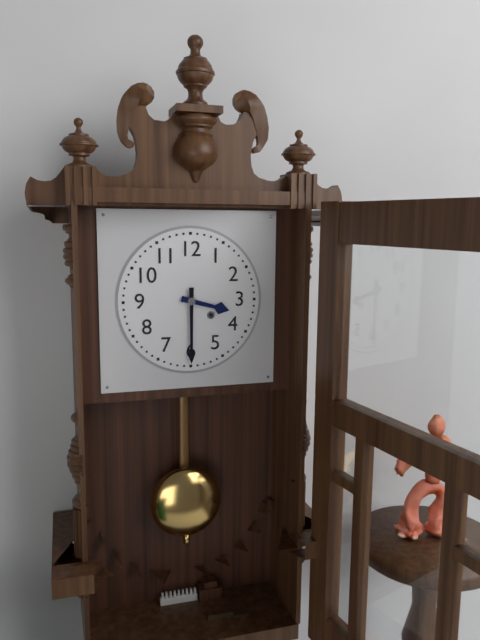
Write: {"hour": 3, "minute": 30}
